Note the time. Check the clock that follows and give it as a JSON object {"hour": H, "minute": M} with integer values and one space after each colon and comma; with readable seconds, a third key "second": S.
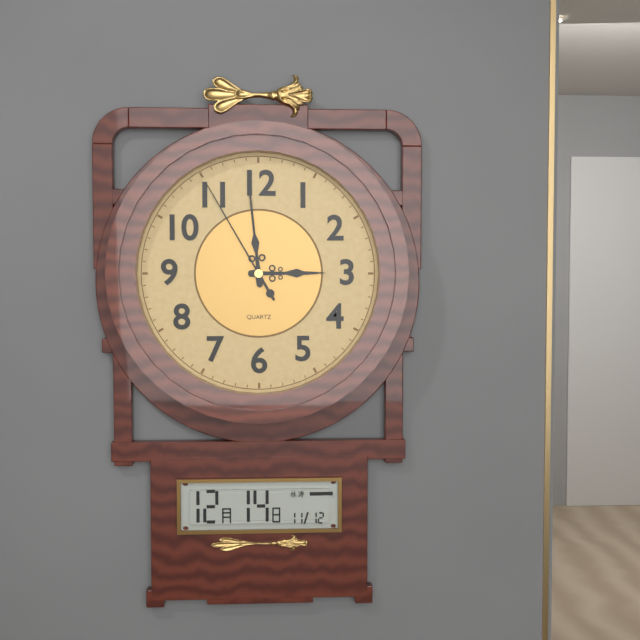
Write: {"hour": 2, "minute": 59, "second": 55}
